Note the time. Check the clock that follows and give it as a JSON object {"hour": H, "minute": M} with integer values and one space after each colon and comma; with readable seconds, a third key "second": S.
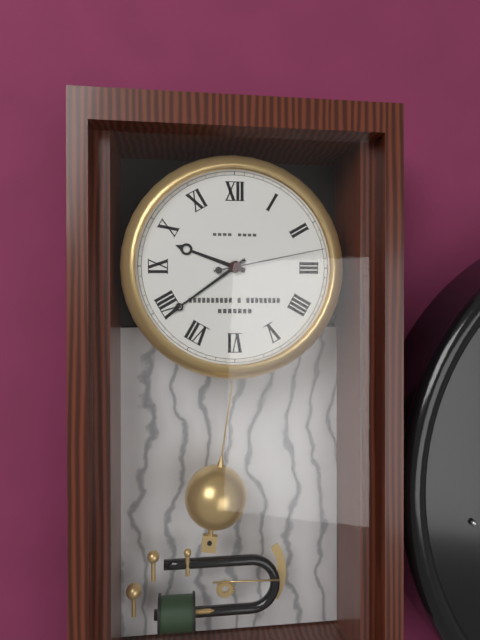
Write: {"hour": 9, "minute": 39, "second": 13}
